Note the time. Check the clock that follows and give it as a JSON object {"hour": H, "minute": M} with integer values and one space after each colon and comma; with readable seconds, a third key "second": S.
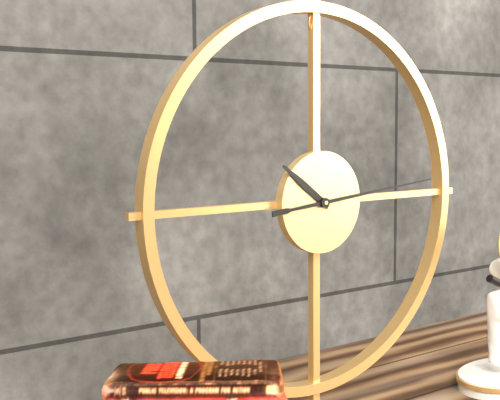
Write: {"hour": 10, "minute": 14}
